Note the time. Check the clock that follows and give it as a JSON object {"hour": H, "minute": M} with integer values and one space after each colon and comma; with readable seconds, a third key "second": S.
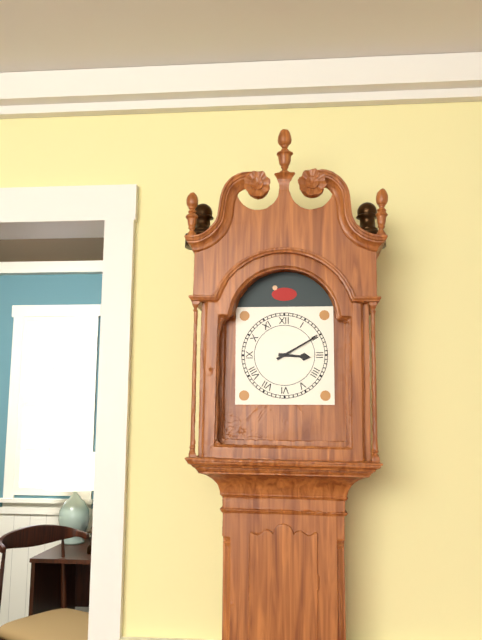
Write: {"hour": 3, "minute": 10}
